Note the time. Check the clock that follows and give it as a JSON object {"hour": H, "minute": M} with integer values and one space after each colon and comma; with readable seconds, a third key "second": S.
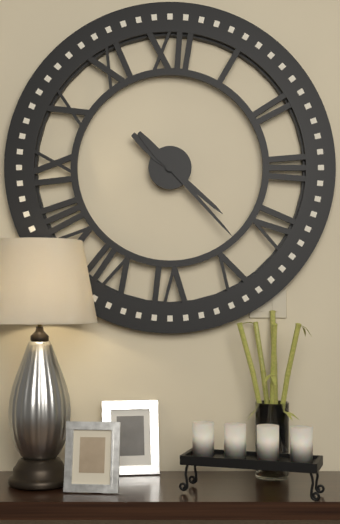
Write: {"hour": 4, "minute": 23}
